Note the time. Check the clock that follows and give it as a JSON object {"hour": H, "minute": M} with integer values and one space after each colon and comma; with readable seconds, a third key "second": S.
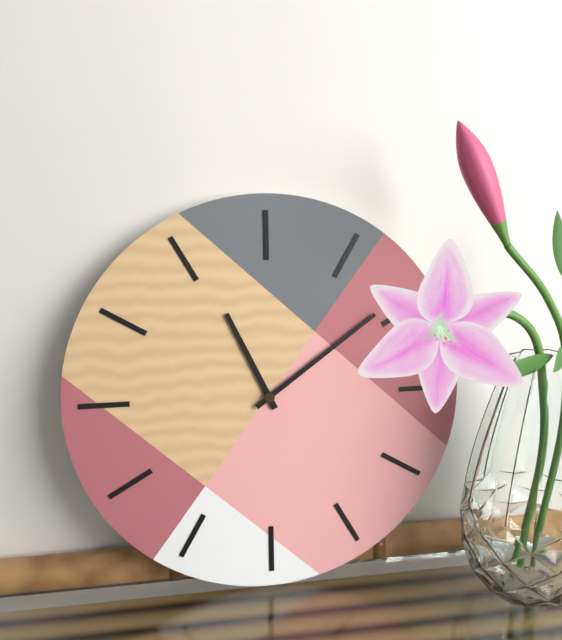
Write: {"hour": 11, "minute": 9}
